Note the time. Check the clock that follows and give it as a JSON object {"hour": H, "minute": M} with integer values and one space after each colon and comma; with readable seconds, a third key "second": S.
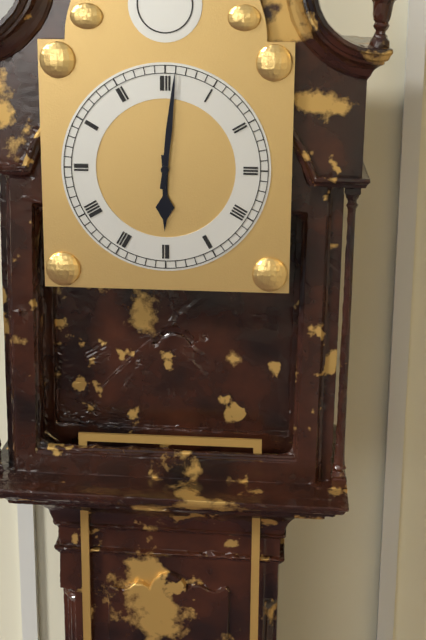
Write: {"hour": 6, "minute": 1}
